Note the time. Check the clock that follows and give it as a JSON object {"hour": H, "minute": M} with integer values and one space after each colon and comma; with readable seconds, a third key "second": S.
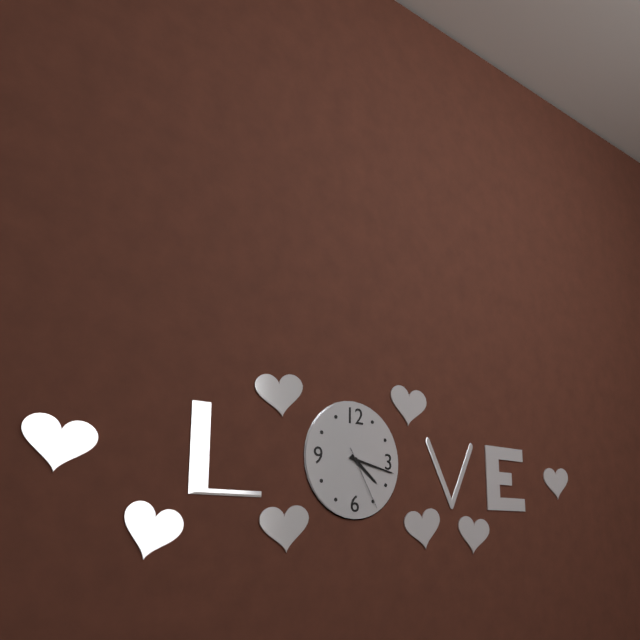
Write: {"hour": 4, "minute": 17, "second": 25}
